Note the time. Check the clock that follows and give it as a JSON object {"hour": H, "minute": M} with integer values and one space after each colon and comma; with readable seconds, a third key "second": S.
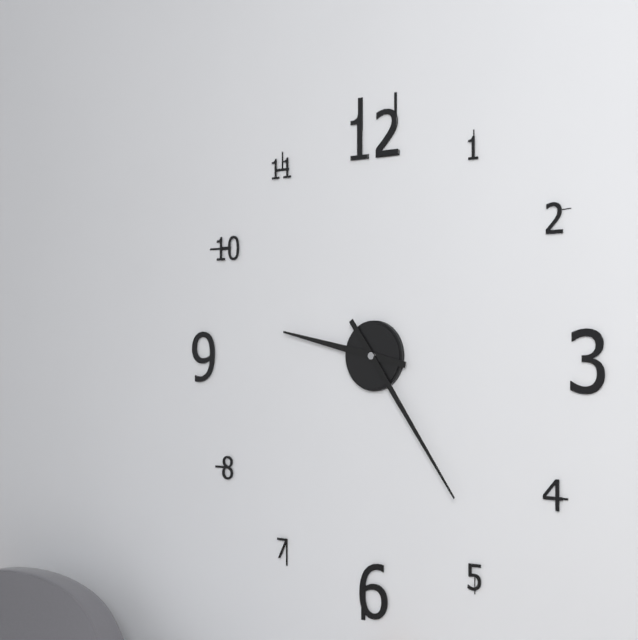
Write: {"hour": 9, "minute": 24}
